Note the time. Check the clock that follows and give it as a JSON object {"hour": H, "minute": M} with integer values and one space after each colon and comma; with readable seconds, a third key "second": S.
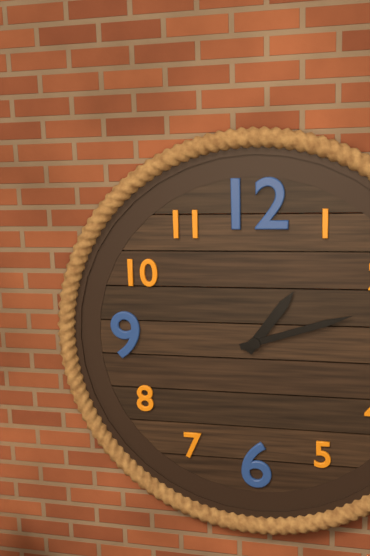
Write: {"hour": 1, "minute": 12}
